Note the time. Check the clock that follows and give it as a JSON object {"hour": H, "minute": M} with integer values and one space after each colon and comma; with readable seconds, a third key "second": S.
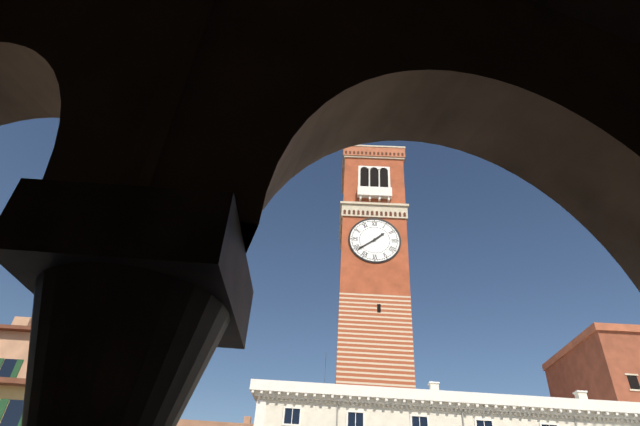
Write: {"hour": 1, "minute": 39}
